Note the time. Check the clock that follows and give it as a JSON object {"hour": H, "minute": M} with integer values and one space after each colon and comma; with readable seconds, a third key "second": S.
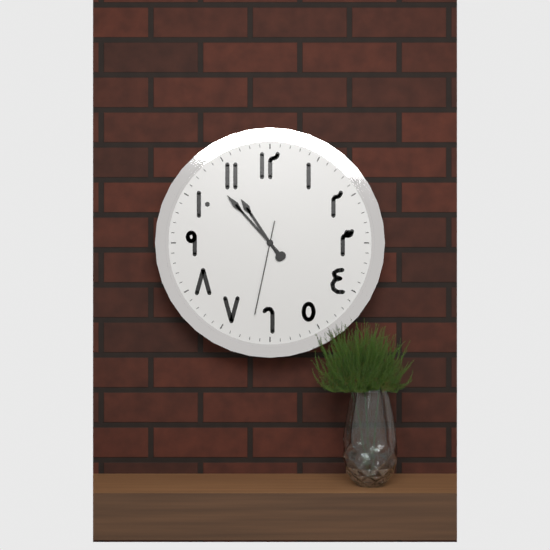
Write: {"hour": 10, "minute": 53, "second": 32}
